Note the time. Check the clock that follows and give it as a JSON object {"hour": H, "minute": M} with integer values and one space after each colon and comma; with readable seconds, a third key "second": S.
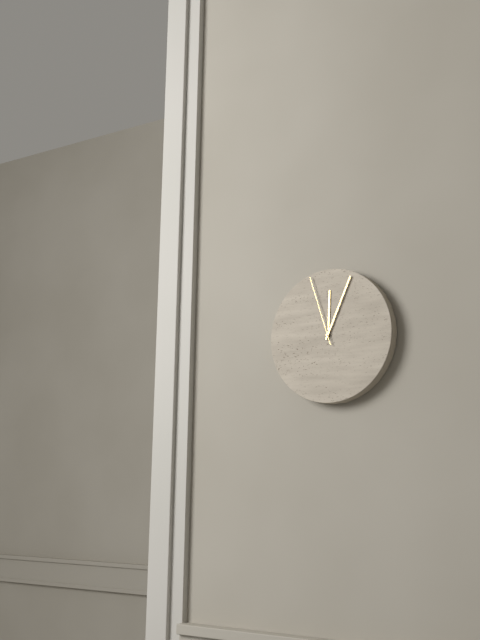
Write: {"hour": 12, "minute": 4, "second": 57}
